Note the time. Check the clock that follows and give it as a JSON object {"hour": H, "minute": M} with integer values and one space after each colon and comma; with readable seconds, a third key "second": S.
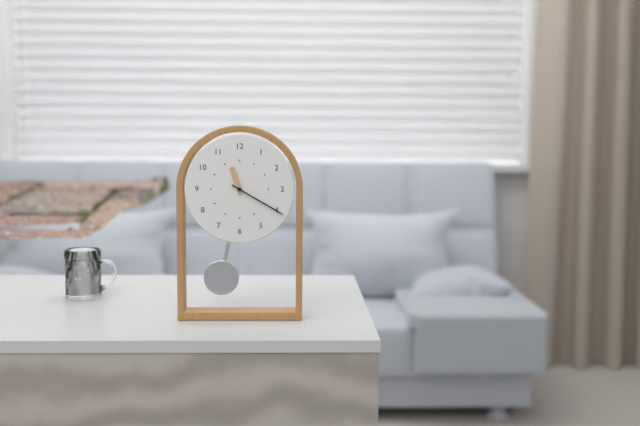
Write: {"hour": 11, "minute": 20}
